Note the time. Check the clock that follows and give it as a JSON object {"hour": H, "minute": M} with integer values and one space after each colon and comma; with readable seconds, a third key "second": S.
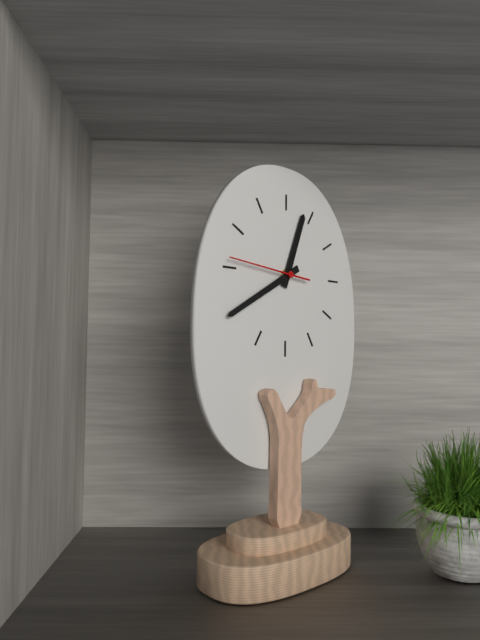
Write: {"hour": 12, "minute": 40, "second": 46}
